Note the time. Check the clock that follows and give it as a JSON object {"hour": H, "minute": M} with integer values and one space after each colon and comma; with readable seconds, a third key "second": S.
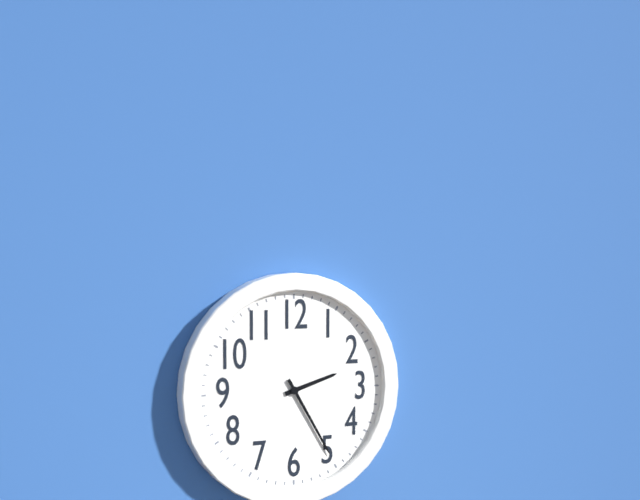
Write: {"hour": 2, "minute": 25}
